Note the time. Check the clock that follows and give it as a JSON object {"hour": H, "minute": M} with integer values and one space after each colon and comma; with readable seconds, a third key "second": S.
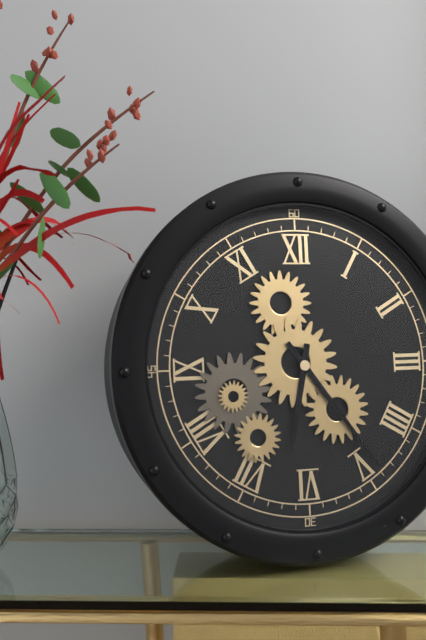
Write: {"hour": 6, "minute": 24}
